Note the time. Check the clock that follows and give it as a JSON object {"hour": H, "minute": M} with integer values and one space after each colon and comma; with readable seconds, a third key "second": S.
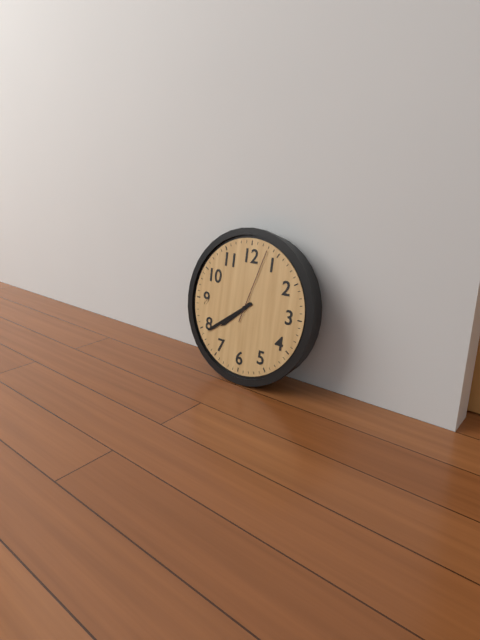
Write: {"hour": 7, "minute": 39, "second": 3}
